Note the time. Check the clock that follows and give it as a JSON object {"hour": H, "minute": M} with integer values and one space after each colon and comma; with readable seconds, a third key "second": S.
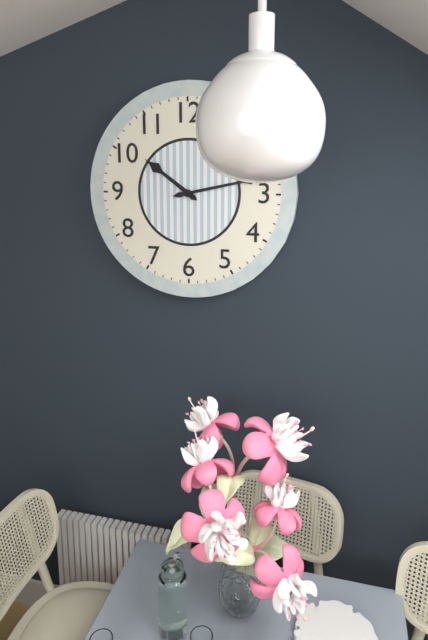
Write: {"hour": 10, "minute": 13}
